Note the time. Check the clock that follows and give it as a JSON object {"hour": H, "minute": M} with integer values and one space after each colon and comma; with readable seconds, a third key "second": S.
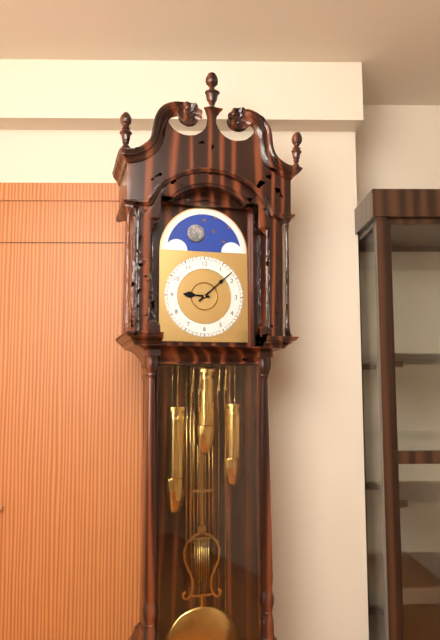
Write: {"hour": 9, "minute": 8}
